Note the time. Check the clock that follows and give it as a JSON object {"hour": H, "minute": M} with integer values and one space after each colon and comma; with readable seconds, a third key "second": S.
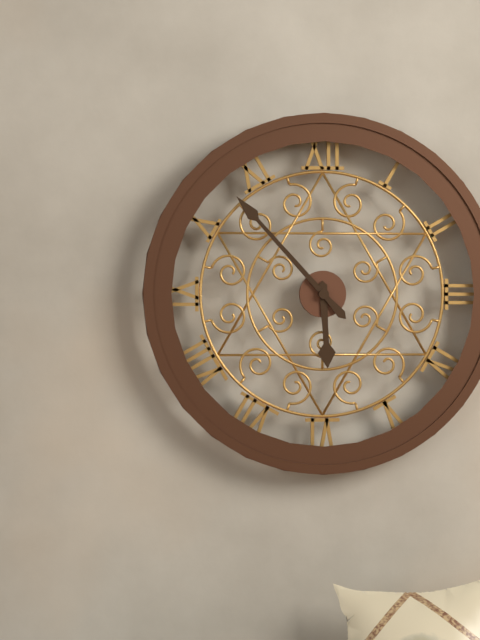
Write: {"hour": 5, "minute": 53}
